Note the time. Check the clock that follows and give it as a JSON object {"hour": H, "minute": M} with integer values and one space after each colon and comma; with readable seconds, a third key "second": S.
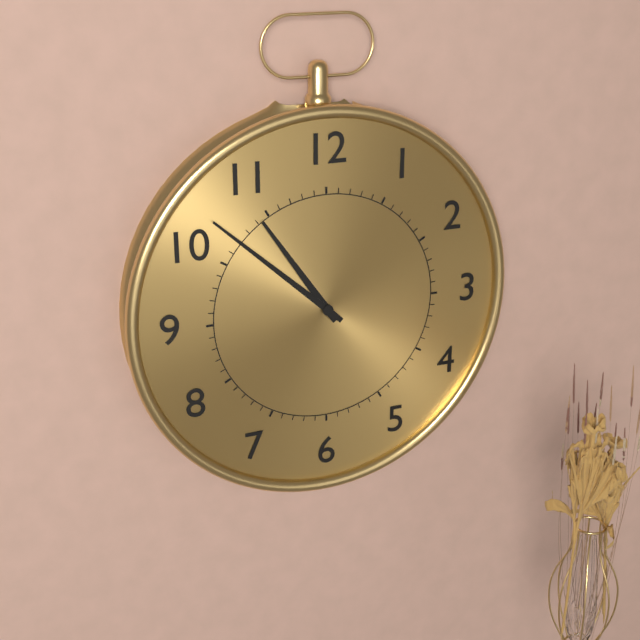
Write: {"hour": 10, "minute": 52}
